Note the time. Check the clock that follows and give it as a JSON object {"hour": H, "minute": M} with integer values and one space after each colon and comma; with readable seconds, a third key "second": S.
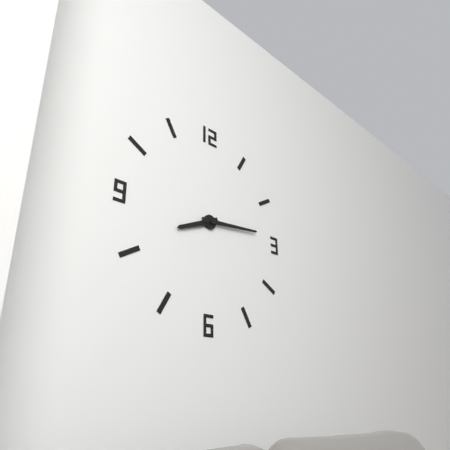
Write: {"hour": 8, "minute": 14}
